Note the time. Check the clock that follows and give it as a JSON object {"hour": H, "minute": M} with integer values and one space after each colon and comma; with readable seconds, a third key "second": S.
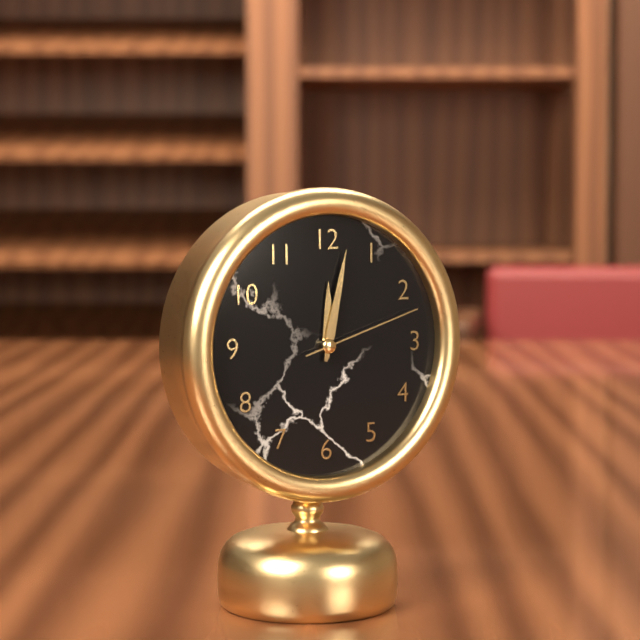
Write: {"hour": 12, "minute": 2, "second": 12}
